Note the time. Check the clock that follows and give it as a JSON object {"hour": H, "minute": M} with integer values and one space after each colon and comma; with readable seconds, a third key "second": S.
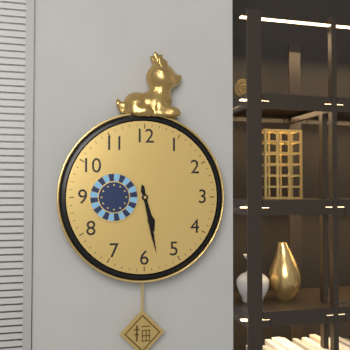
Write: {"hour": 5, "minute": 28}
